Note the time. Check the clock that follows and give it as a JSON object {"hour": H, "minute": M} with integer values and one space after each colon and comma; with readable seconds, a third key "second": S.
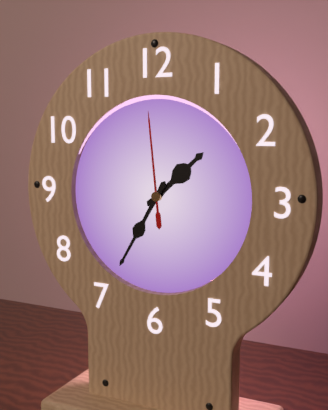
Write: {"hour": 1, "minute": 35, "second": 59}
